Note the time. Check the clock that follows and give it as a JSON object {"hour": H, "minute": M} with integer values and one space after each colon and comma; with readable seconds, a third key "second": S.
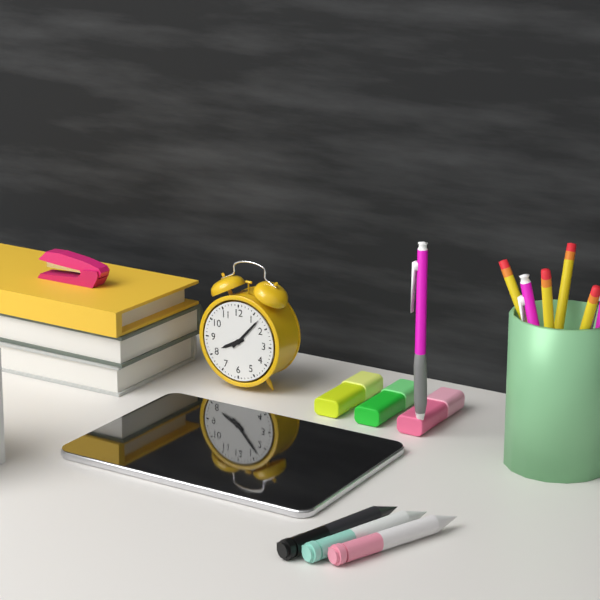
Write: {"hour": 8, "minute": 7}
